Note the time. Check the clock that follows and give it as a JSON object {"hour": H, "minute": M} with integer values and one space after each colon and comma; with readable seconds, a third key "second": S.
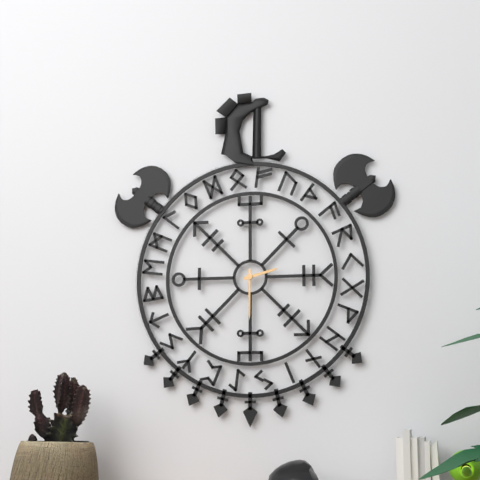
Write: {"hour": 2, "minute": 30}
